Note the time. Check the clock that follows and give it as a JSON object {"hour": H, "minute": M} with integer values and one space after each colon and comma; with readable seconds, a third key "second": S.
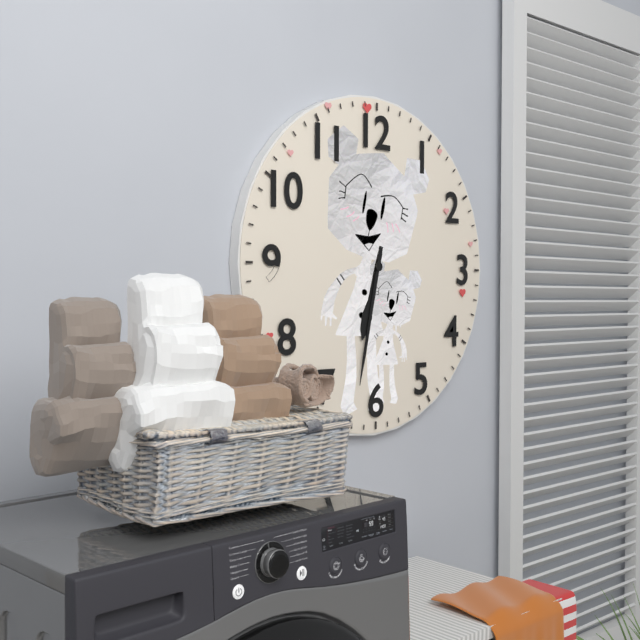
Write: {"hour": 6, "minute": 32}
